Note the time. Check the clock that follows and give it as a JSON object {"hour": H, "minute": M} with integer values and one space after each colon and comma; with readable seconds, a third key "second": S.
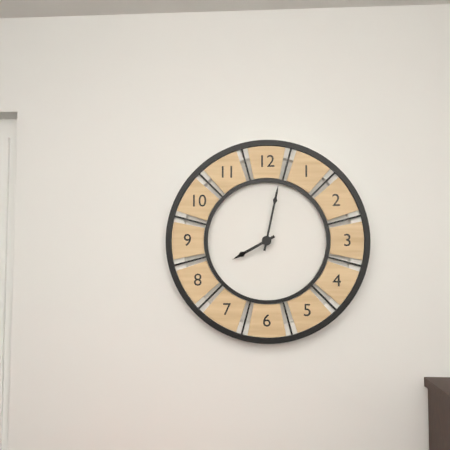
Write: {"hour": 8, "minute": 2}
